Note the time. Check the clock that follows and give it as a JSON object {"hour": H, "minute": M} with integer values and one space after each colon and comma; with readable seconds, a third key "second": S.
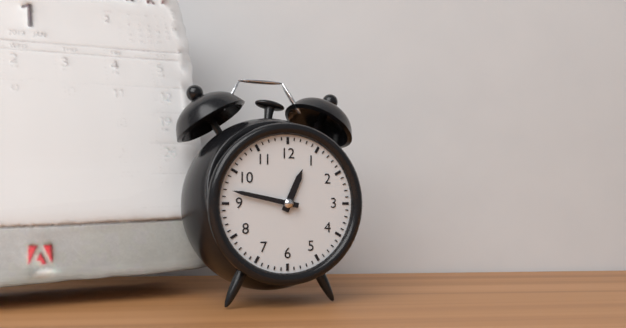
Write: {"hour": 12, "minute": 47}
